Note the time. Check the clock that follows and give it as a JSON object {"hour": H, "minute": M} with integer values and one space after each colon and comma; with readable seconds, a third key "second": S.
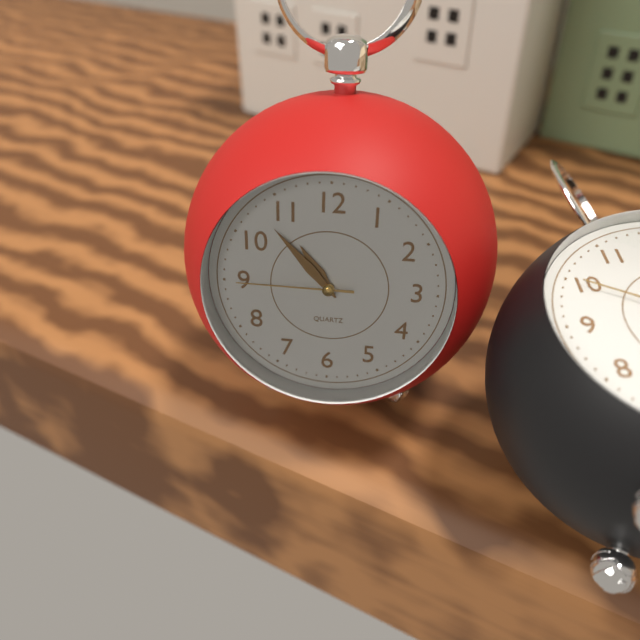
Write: {"hour": 10, "minute": 53, "second": 45}
